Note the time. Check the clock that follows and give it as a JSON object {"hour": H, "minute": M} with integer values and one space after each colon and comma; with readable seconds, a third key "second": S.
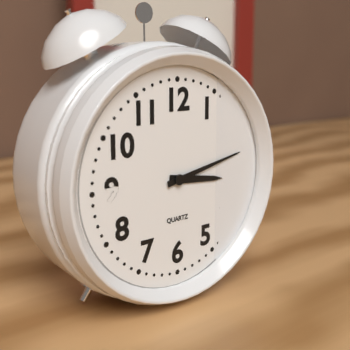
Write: {"hour": 3, "minute": 13}
